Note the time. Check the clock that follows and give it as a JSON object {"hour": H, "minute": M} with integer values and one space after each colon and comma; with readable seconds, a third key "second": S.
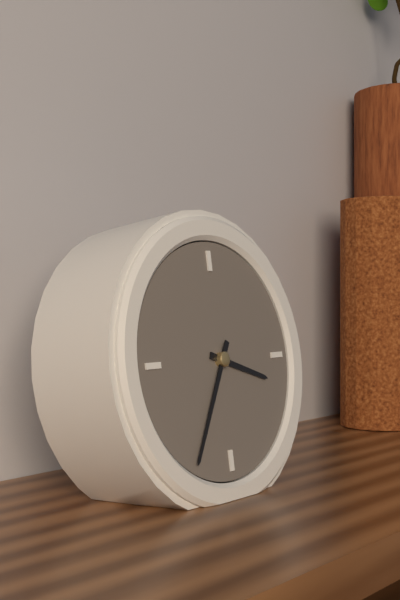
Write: {"hour": 3, "minute": 35}
